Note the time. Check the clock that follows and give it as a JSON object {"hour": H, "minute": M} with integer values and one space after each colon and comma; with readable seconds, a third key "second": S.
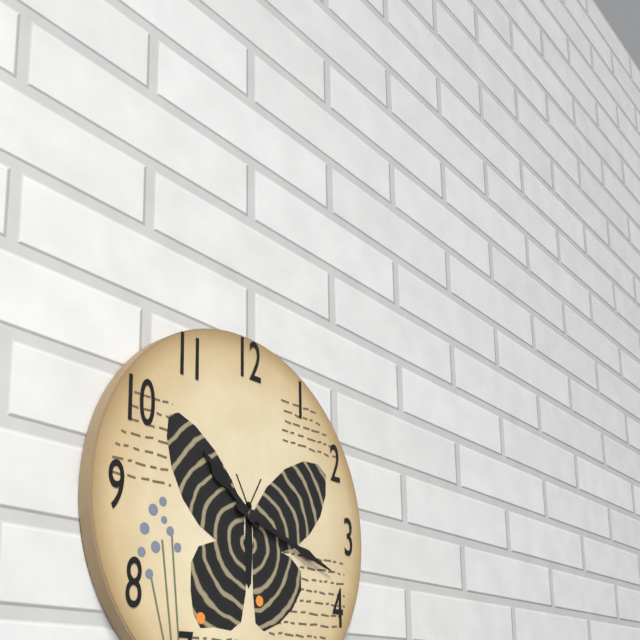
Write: {"hour": 10, "minute": 18}
